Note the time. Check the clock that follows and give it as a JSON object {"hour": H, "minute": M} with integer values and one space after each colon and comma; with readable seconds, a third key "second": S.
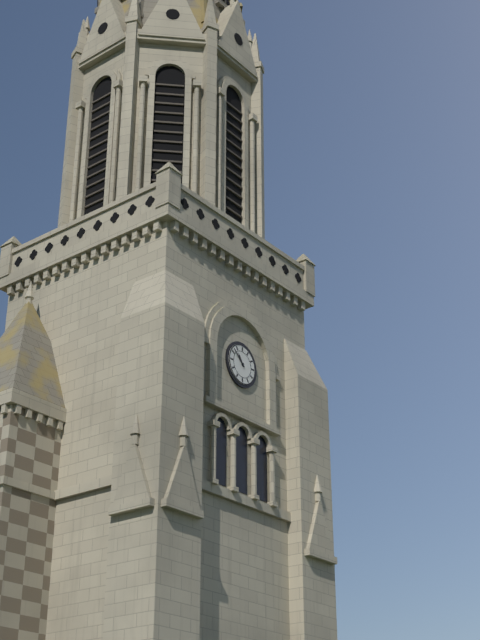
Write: {"hour": 10, "minute": 52}
